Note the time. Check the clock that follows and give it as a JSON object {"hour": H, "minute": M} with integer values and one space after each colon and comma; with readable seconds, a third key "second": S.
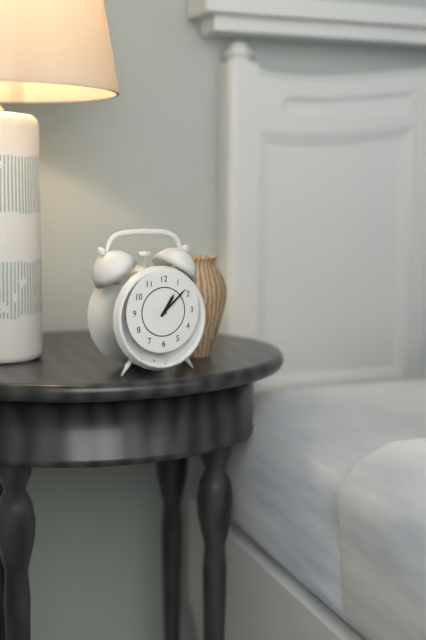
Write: {"hour": 1, "minute": 8}
